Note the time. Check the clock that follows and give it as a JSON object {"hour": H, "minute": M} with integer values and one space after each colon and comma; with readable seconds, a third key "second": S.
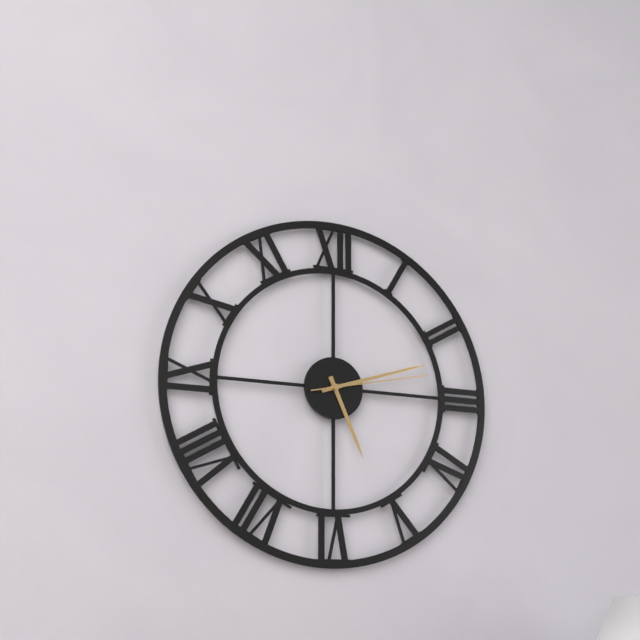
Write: {"hour": 5, "minute": 12, "second": 13}
